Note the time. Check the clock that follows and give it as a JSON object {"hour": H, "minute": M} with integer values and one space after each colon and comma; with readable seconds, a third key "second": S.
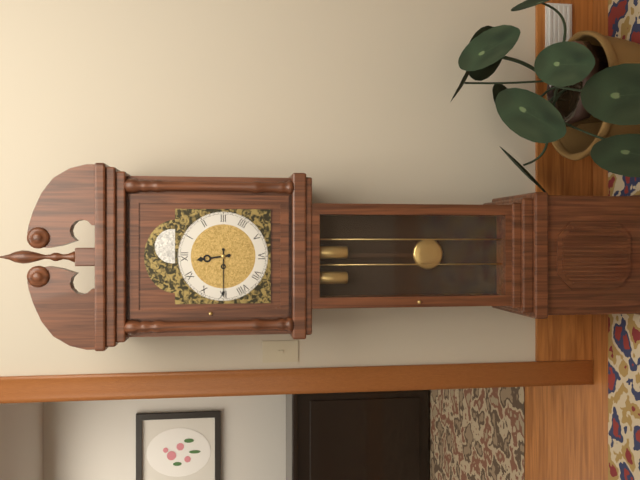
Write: {"hour": 11, "minute": 45}
